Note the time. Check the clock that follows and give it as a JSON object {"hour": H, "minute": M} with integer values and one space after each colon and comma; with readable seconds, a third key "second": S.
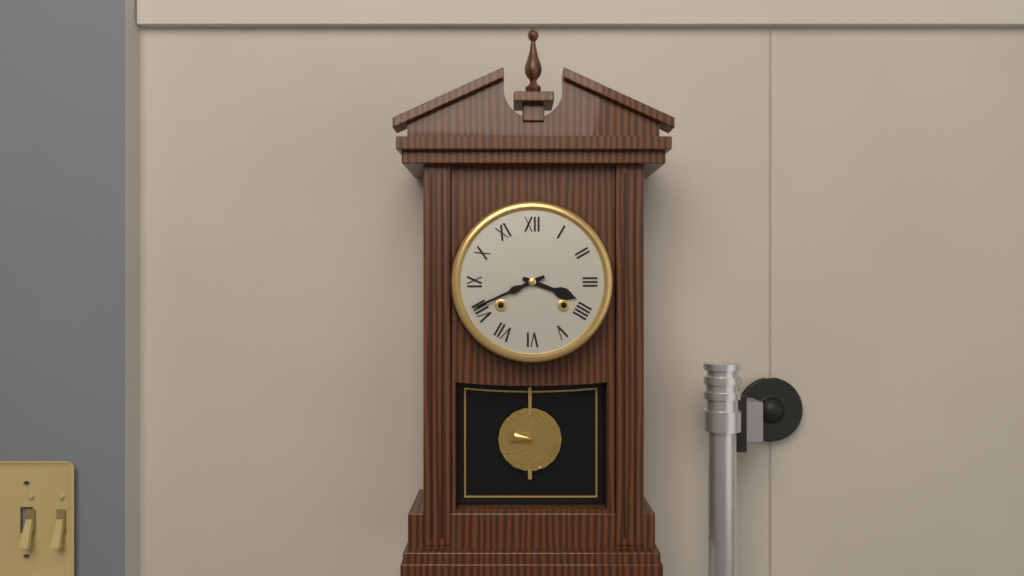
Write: {"hour": 3, "minute": 41}
